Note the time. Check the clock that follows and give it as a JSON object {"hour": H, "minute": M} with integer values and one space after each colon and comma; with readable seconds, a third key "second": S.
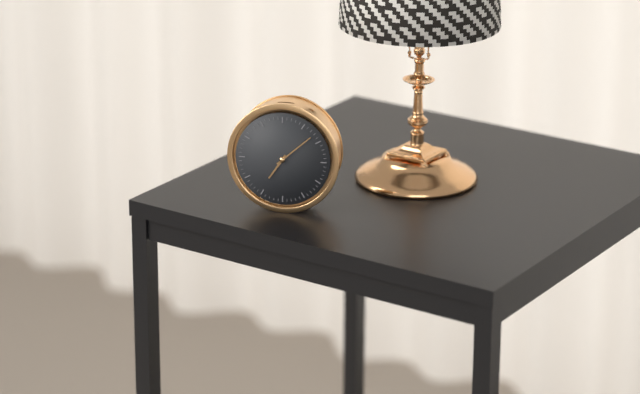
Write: {"hour": 7, "minute": 8}
